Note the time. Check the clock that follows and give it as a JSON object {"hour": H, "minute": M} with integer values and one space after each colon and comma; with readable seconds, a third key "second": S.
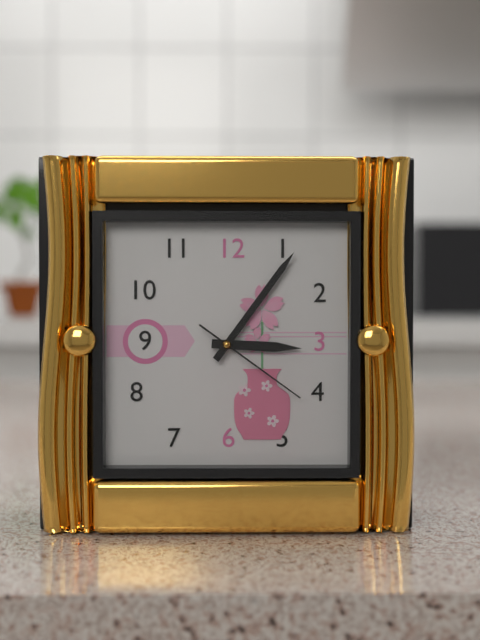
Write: {"hour": 3, "minute": 6, "second": 21}
